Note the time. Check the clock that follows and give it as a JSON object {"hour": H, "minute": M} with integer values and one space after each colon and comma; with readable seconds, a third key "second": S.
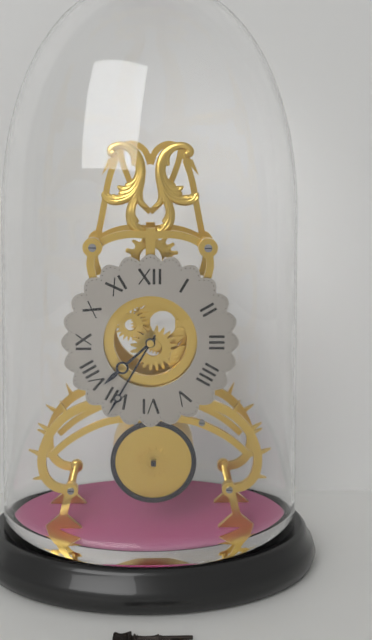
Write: {"hour": 7, "minute": 35}
